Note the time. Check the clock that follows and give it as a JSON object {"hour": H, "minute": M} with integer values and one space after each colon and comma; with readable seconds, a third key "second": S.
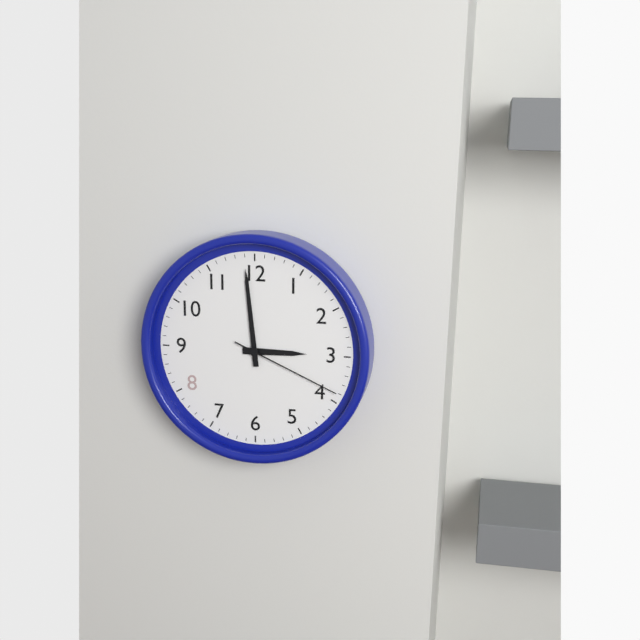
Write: {"hour": 2, "minute": 59, "second": 19}
